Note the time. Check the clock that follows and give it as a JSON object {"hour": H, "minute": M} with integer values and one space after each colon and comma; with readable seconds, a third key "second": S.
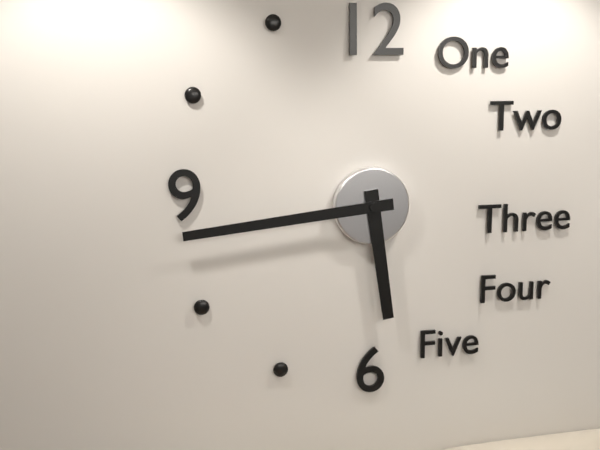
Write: {"hour": 5, "minute": 44}
